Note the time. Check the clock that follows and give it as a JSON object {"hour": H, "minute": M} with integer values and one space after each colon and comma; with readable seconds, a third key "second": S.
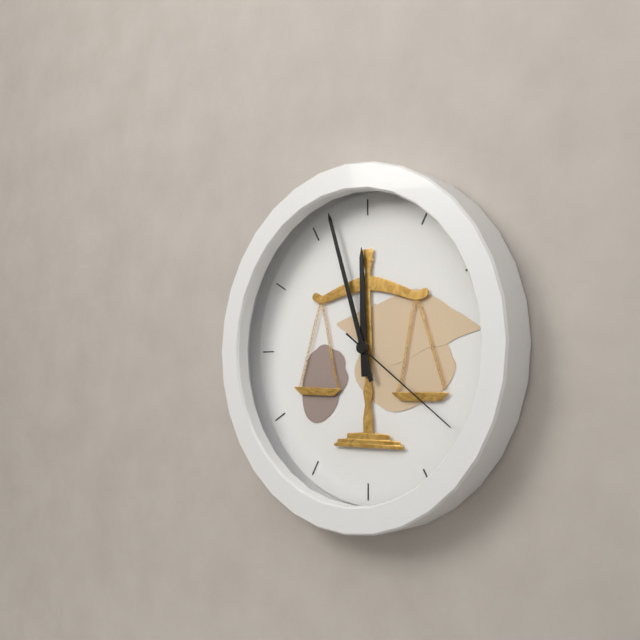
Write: {"hour": 11, "minute": 57, "second": 21}
